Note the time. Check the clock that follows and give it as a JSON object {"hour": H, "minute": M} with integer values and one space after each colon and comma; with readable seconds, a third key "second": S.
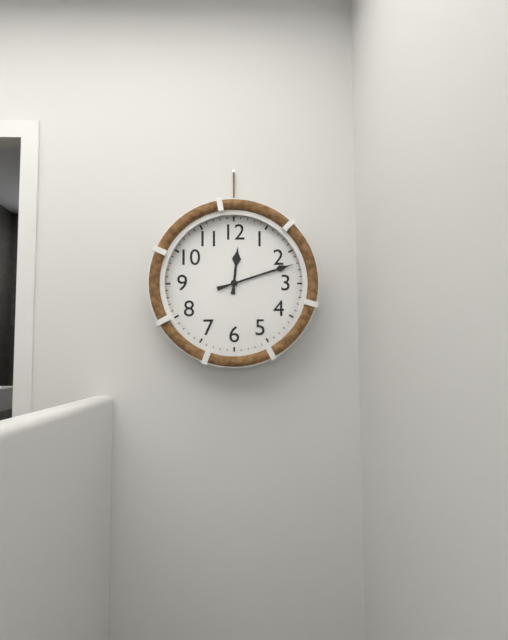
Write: {"hour": 12, "minute": 12}
